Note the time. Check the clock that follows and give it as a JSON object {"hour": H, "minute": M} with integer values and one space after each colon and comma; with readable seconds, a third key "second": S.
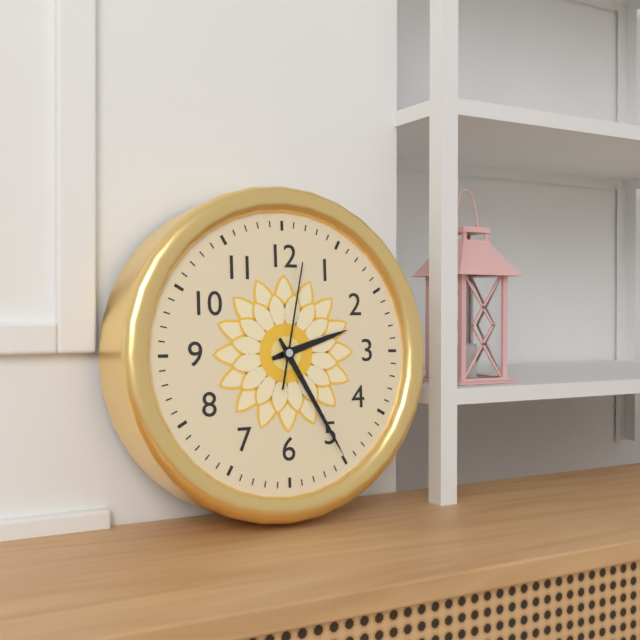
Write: {"hour": 2, "minute": 25, "second": 2}
